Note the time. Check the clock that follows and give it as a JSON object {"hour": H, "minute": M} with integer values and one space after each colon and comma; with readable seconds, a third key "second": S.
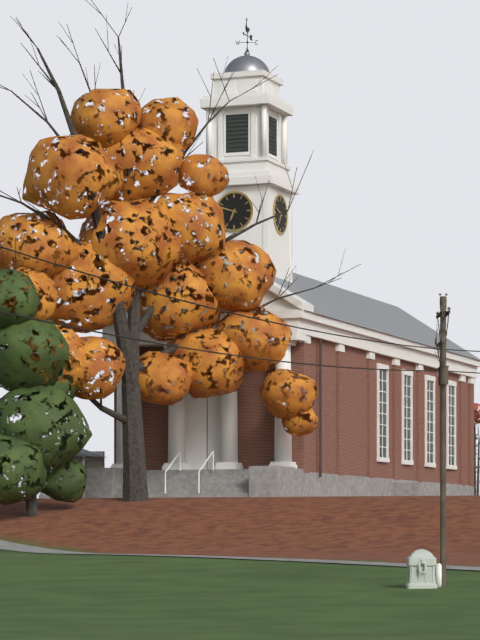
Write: {"hour": 6, "minute": 48}
